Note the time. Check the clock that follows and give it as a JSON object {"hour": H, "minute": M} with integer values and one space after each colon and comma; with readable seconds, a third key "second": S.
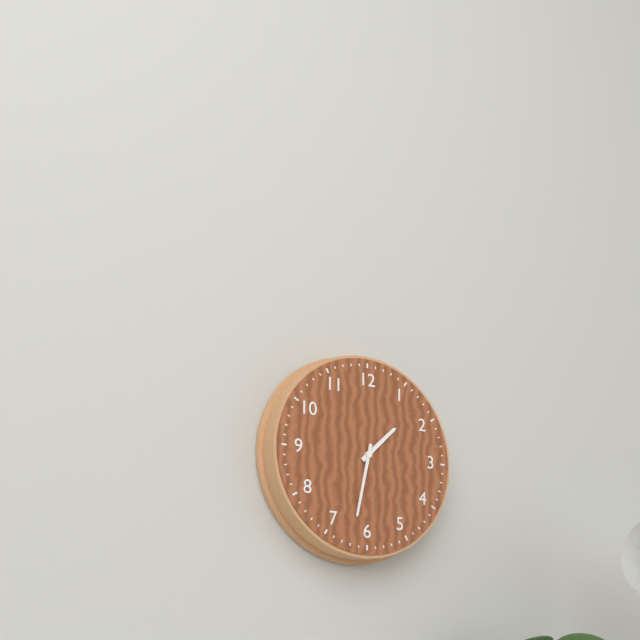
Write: {"hour": 1, "minute": 32}
